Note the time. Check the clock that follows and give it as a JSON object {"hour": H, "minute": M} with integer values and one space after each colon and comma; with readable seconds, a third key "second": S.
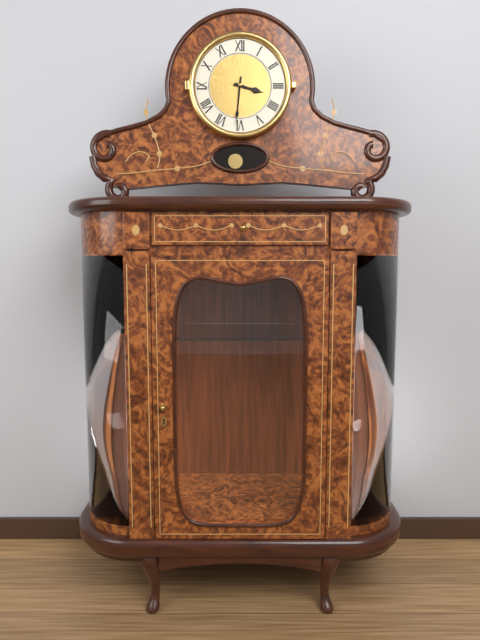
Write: {"hour": 3, "minute": 31}
